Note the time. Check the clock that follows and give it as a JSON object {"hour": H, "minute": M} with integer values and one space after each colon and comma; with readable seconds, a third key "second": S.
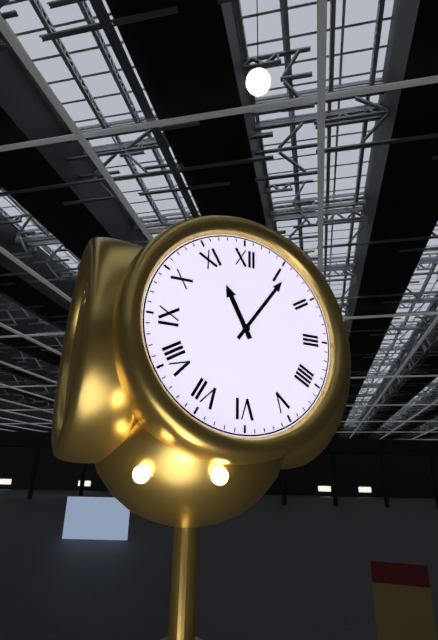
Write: {"hour": 11, "minute": 6}
